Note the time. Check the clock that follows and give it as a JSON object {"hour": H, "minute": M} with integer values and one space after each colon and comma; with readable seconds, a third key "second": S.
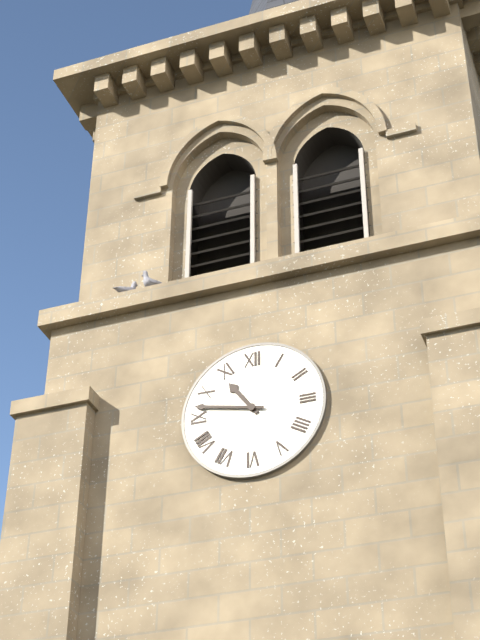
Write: {"hour": 10, "minute": 47}
